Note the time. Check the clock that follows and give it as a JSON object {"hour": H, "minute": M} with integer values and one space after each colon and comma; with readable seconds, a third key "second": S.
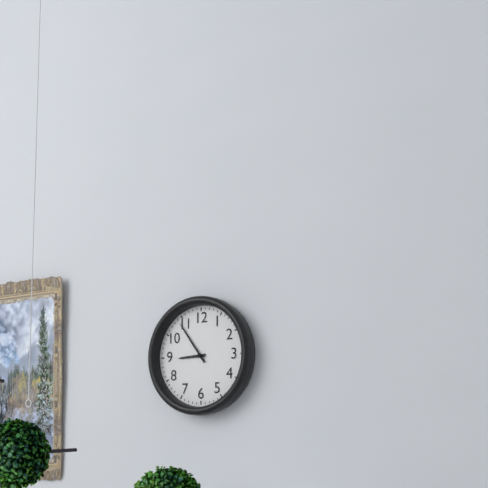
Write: {"hour": 8, "minute": 54}
